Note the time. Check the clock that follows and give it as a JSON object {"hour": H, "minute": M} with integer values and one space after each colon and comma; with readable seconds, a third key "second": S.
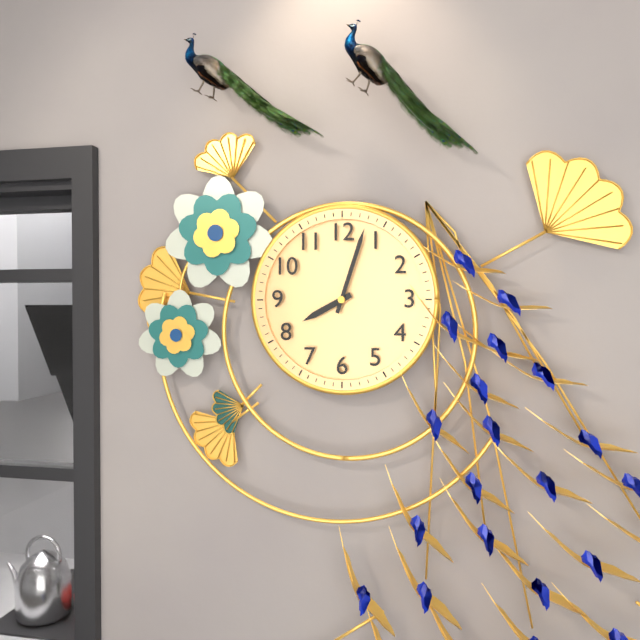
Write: {"hour": 8, "minute": 3}
